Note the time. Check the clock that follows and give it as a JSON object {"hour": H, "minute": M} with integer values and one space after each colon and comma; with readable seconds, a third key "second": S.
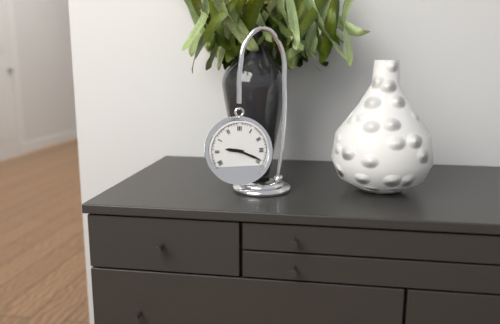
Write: {"hour": 9, "minute": 19}
